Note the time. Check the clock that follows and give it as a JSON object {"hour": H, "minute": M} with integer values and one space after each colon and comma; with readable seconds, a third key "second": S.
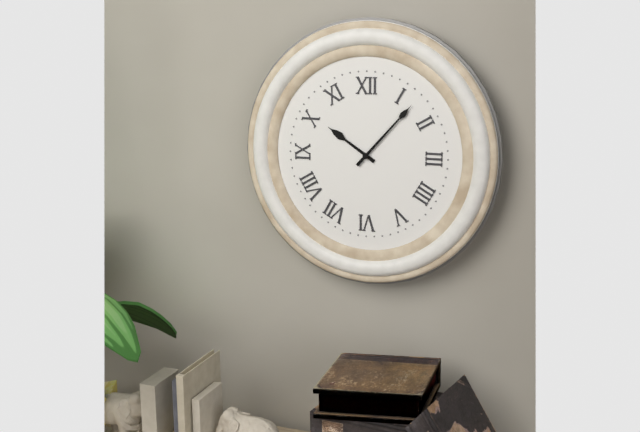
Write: {"hour": 10, "minute": 7}
